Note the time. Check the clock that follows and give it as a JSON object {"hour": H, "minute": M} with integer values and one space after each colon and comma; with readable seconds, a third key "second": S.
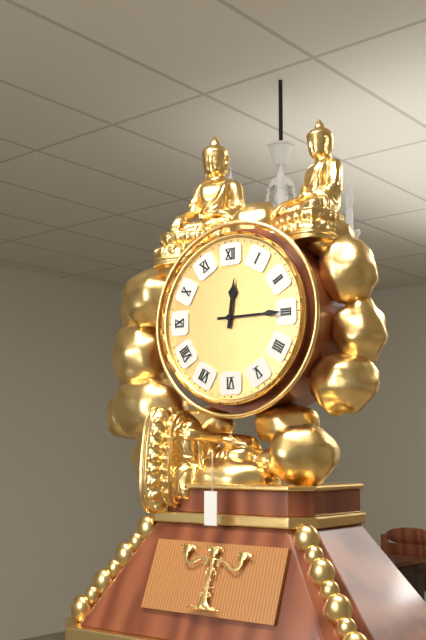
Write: {"hour": 12, "minute": 15}
